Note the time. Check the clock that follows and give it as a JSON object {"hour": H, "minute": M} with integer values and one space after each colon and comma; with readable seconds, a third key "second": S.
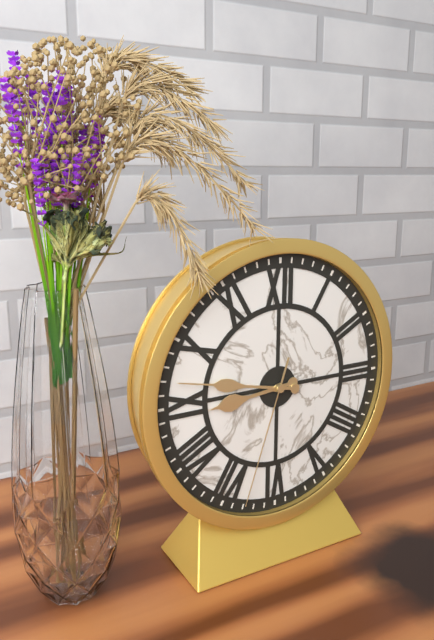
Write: {"hour": 8, "minute": 47, "second": 33}
